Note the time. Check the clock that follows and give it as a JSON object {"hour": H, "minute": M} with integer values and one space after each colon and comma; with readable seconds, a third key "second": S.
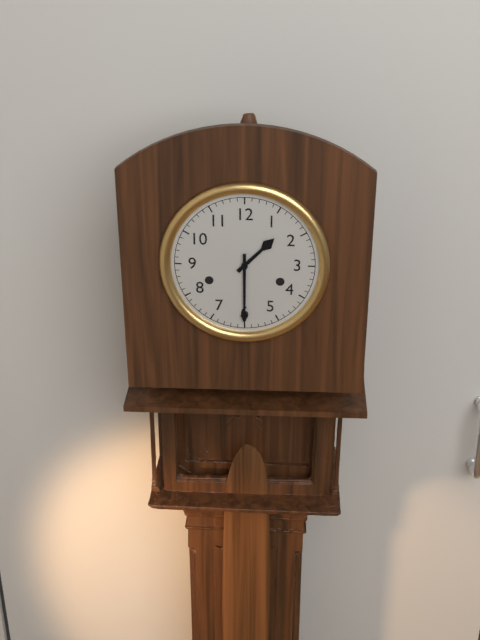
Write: {"hour": 1, "minute": 30}
